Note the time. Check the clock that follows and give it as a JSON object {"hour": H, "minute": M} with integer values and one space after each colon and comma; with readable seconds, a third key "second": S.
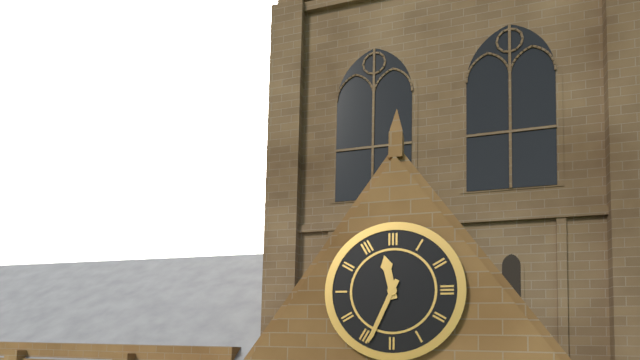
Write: {"hour": 11, "minute": 34}
